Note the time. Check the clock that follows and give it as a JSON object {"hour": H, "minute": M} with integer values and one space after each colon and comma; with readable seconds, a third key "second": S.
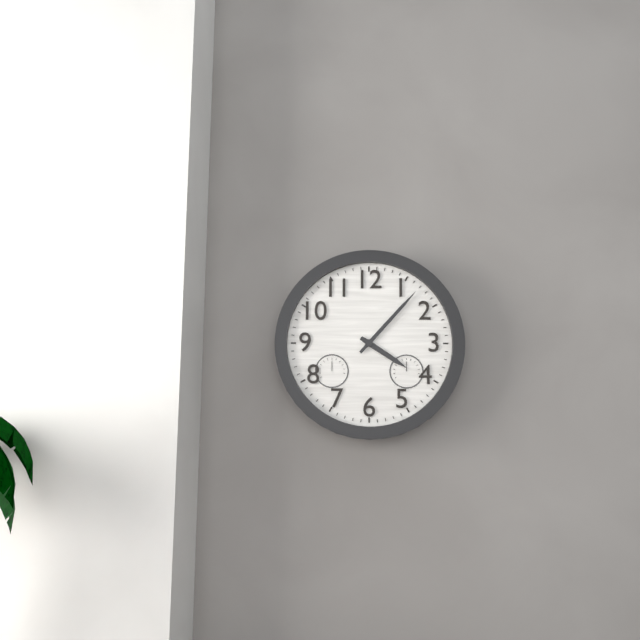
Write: {"hour": 4, "minute": 7}
